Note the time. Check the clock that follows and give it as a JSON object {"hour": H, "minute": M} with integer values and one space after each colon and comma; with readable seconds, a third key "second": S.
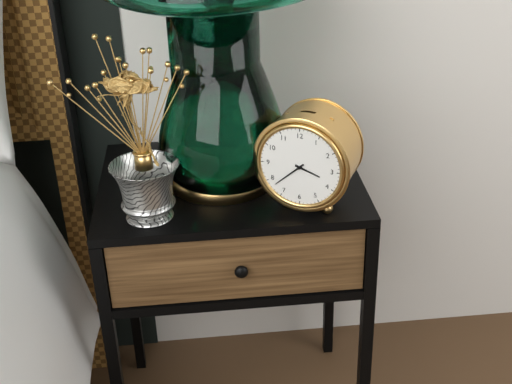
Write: {"hour": 3, "minute": 38}
